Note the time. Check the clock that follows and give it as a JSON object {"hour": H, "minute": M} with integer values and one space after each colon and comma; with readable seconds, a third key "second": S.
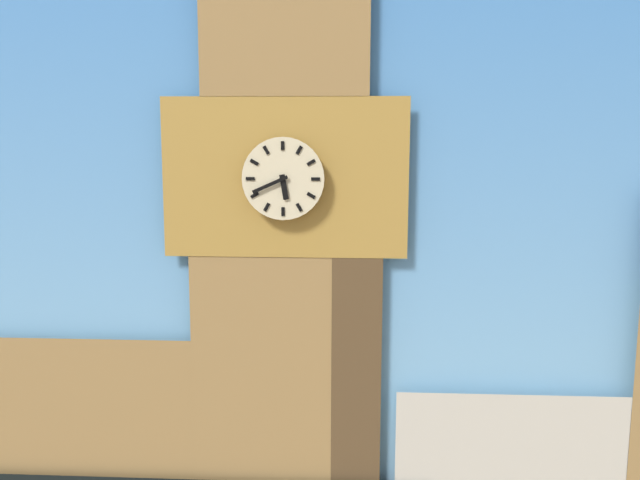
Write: {"hour": 5, "minute": 41}
